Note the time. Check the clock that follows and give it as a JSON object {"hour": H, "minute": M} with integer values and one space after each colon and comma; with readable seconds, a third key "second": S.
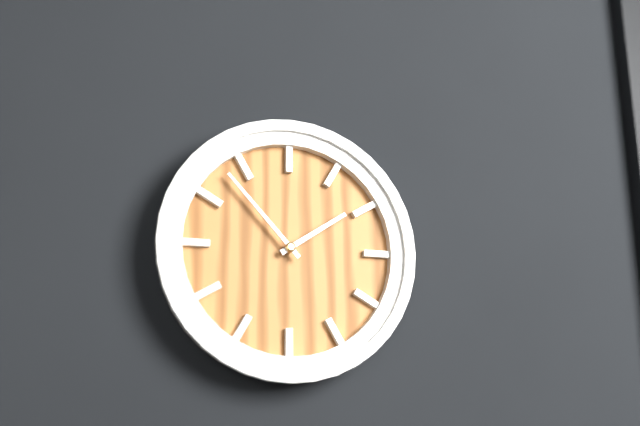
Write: {"hour": 1, "minute": 53}
